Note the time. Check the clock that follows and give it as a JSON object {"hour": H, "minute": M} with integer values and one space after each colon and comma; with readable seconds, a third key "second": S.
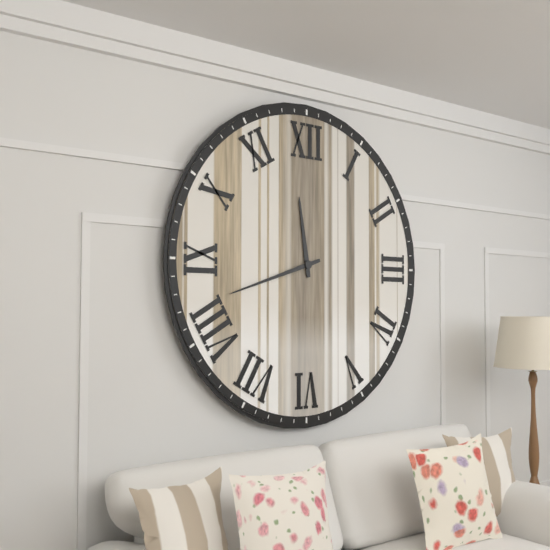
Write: {"hour": 11, "minute": 42}
